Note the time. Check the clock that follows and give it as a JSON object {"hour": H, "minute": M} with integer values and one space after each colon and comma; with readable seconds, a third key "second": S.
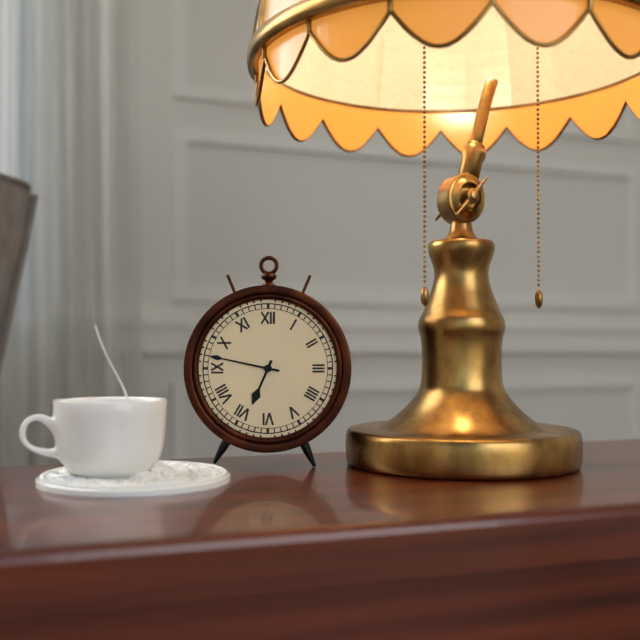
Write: {"hour": 6, "minute": 47}
